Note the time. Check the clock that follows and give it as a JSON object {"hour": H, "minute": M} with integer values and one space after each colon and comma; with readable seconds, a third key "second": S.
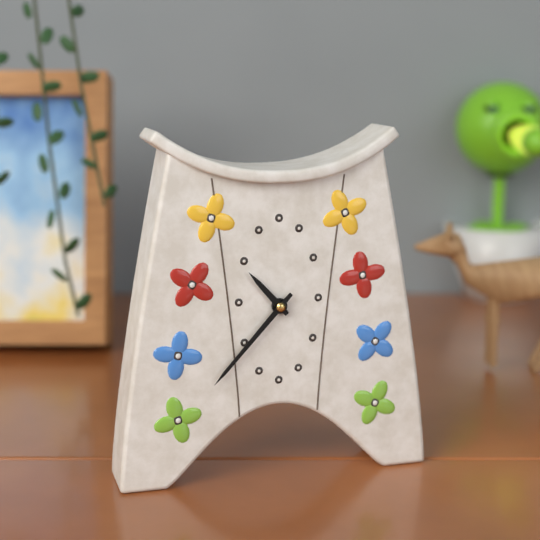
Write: {"hour": 10, "minute": 37}
